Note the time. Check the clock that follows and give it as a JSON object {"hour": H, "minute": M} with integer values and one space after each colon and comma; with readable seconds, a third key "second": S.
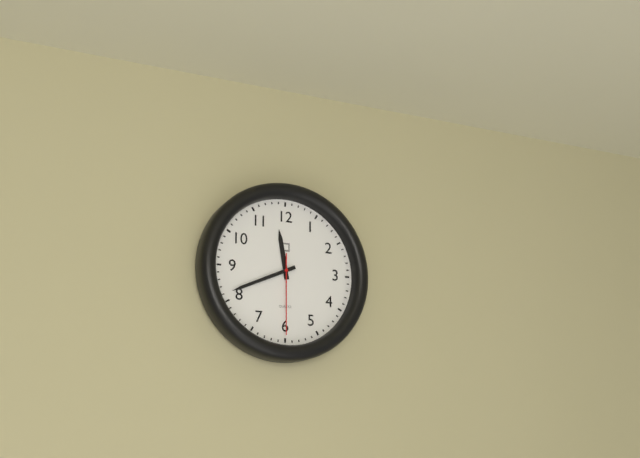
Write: {"hour": 11, "minute": 41, "second": 30}
